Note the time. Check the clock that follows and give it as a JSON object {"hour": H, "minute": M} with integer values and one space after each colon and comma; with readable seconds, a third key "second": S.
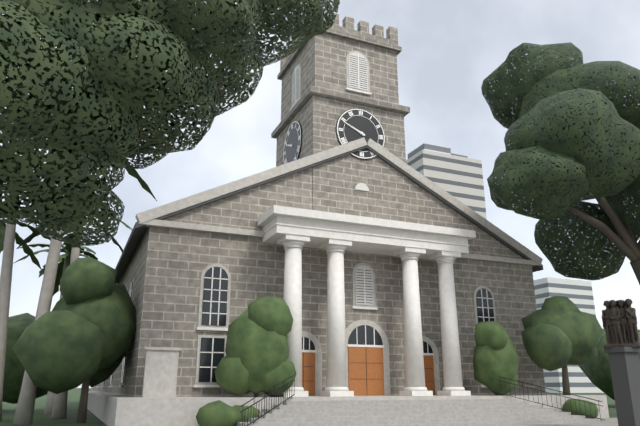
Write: {"hour": 9, "minute": 49}
